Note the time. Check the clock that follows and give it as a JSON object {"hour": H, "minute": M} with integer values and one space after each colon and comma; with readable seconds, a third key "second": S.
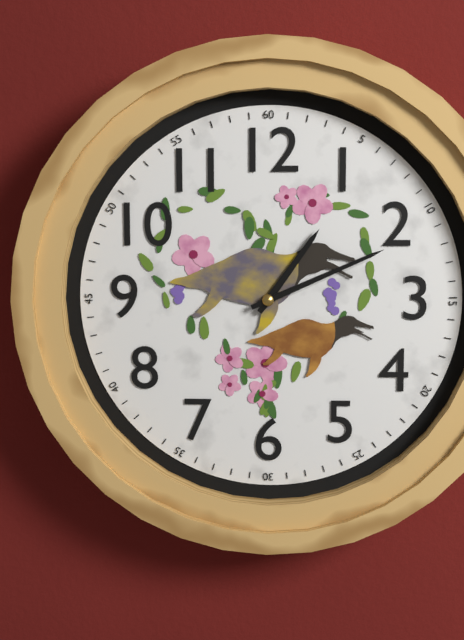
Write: {"hour": 1, "minute": 11}
